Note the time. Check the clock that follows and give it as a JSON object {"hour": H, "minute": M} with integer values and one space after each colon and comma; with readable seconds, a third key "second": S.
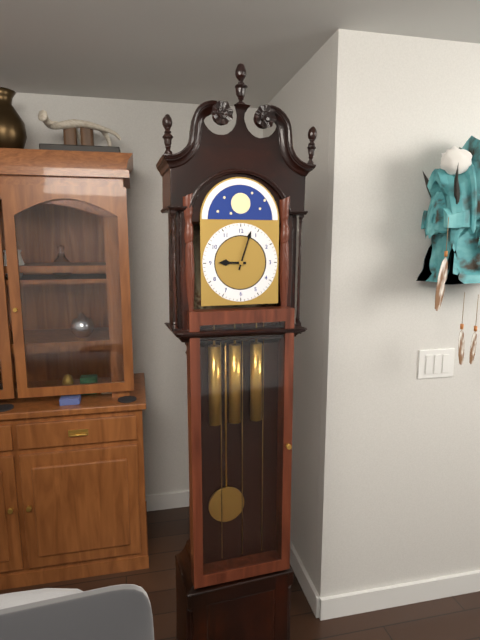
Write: {"hour": 9, "minute": 3}
